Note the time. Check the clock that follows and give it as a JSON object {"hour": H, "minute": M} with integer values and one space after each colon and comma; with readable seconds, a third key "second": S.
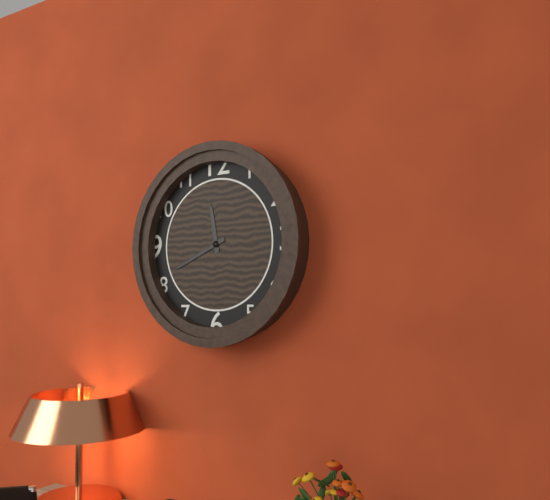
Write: {"hour": 11, "minute": 41}
